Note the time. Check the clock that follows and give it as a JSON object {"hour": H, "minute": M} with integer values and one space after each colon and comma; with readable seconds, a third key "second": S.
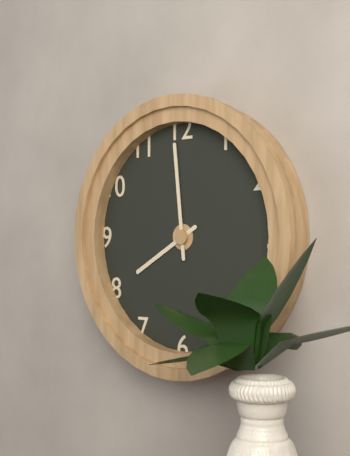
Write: {"hour": 7, "minute": 59}
